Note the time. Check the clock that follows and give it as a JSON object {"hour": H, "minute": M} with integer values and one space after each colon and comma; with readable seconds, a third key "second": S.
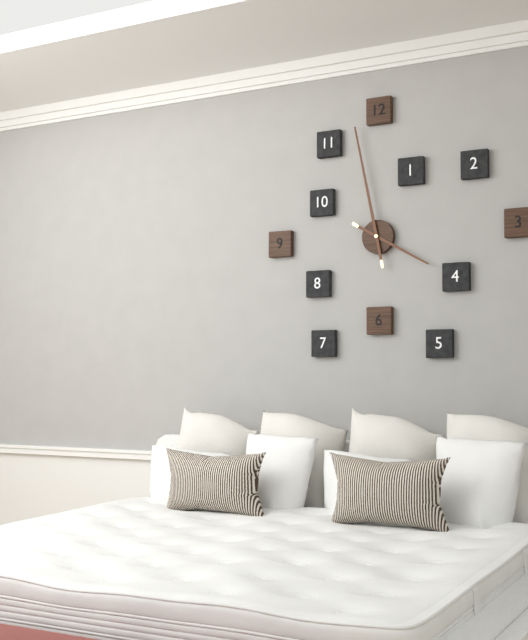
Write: {"hour": 3, "minute": 58}
